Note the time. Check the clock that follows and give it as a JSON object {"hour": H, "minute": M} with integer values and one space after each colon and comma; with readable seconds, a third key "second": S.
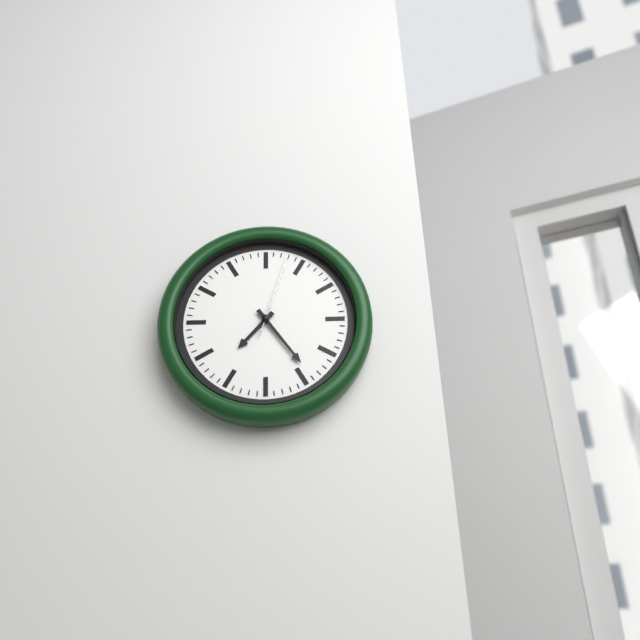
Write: {"hour": 7, "minute": 24, "second": 3}
